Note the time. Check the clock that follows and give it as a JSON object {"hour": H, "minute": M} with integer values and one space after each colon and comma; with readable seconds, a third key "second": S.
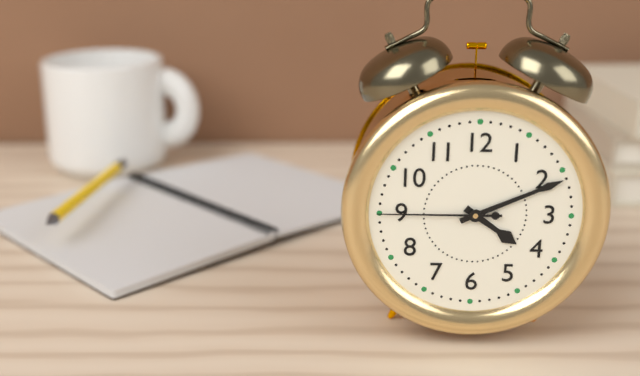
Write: {"hour": 4, "minute": 11, "second": 45}
